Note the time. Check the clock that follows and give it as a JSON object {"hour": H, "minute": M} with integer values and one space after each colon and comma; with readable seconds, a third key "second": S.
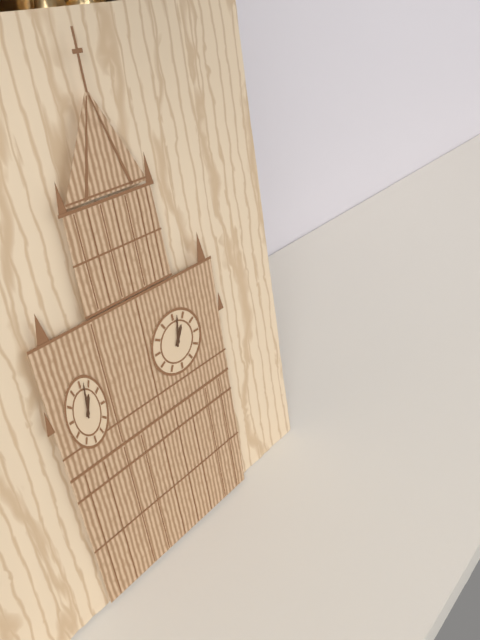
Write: {"hour": 1, "minute": 2}
